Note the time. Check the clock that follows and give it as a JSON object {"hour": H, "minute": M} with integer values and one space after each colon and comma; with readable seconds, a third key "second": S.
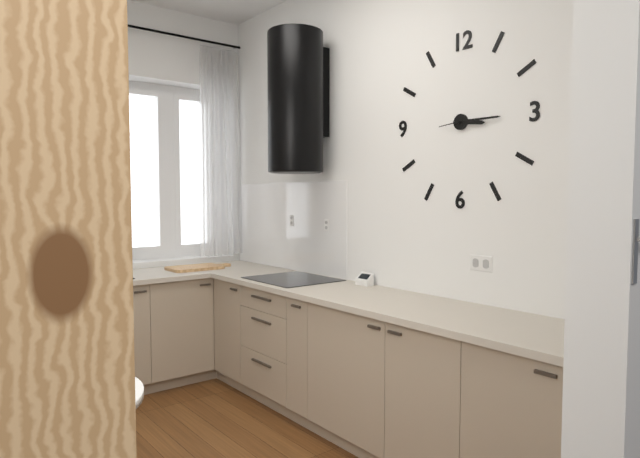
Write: {"hour": 3, "minute": 15}
